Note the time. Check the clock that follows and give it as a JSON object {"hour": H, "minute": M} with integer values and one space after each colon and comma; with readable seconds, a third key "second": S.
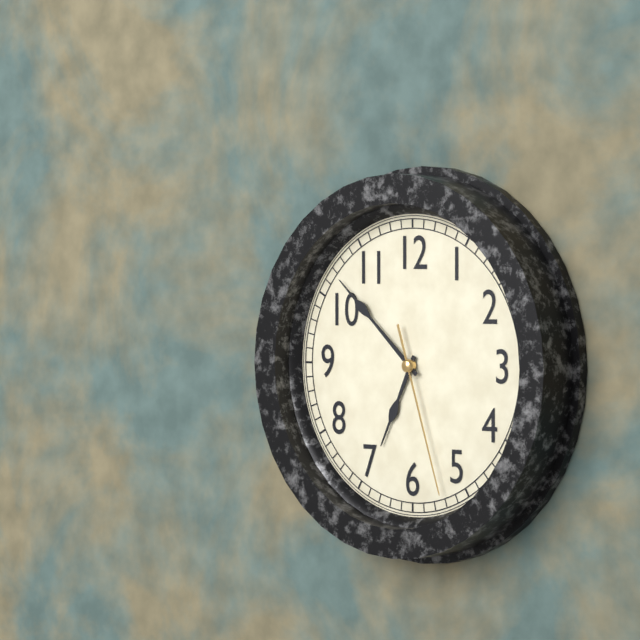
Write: {"hour": 6, "minute": 52, "second": 27}
